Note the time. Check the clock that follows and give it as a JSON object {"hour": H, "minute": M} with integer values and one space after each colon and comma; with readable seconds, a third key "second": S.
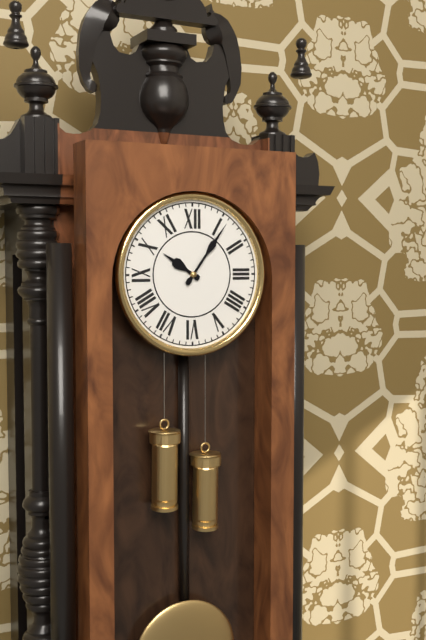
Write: {"hour": 10, "minute": 6}
